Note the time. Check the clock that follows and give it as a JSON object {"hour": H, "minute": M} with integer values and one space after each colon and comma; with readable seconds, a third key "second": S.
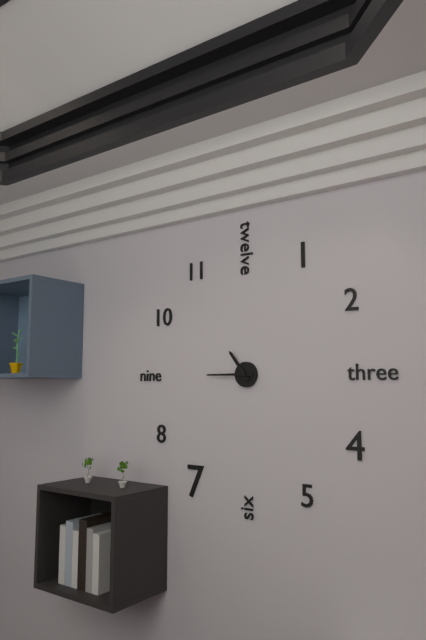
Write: {"hour": 10, "minute": 45}
